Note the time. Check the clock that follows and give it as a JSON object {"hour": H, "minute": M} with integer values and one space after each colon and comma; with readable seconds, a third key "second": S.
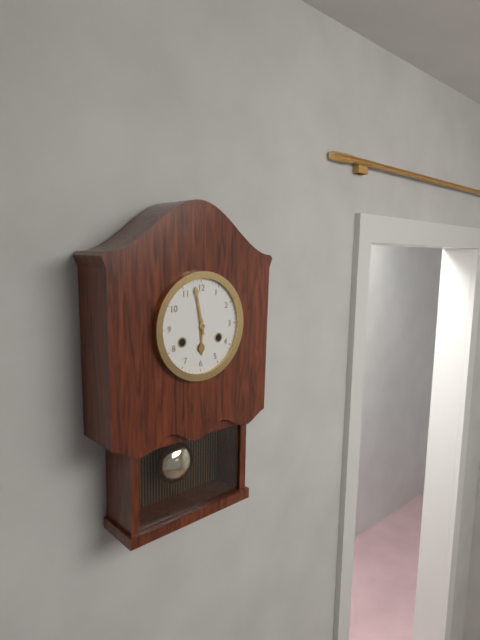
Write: {"hour": 5, "minute": 58}
